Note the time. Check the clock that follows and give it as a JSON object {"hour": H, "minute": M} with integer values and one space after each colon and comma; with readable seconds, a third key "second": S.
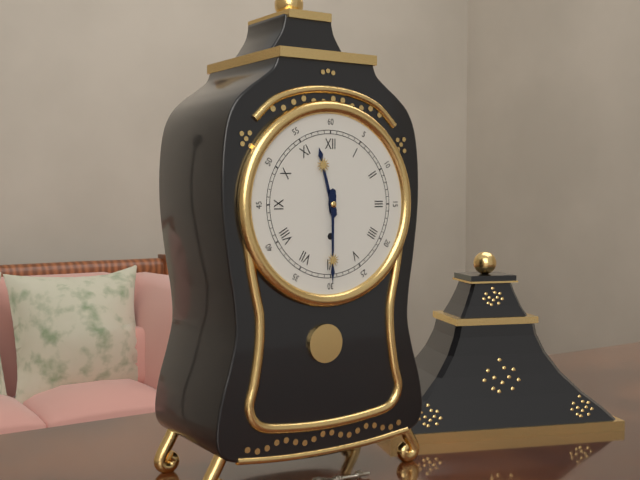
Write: {"hour": 11, "minute": 30}
